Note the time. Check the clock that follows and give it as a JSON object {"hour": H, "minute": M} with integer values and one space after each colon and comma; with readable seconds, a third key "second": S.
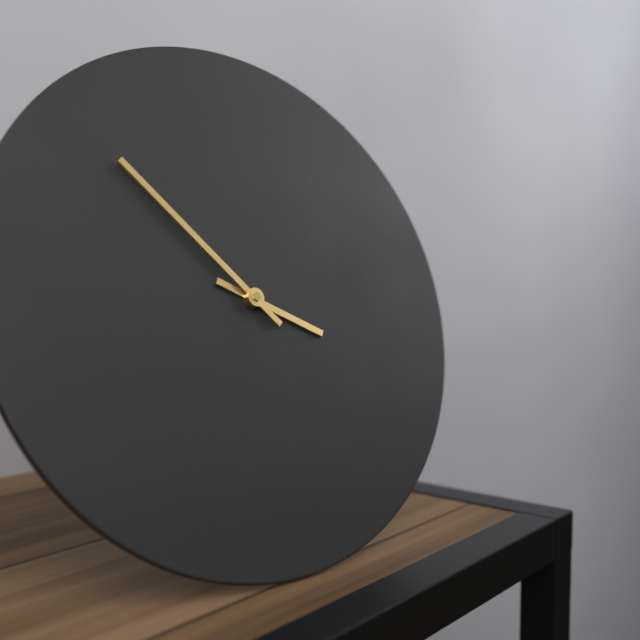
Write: {"hour": 3, "minute": 53}
